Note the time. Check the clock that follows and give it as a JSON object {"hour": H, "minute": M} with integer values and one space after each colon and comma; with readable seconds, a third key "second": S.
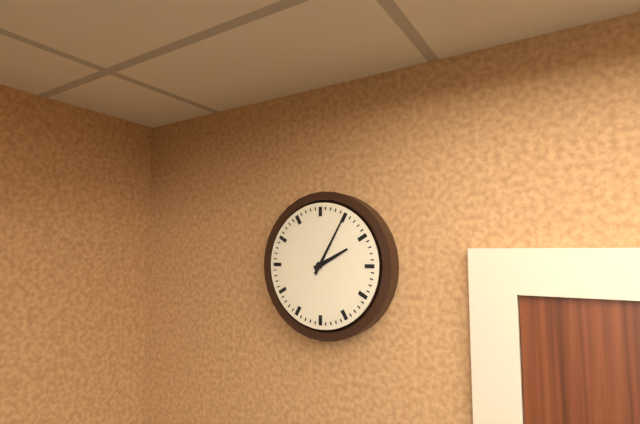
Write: {"hour": 2, "minute": 5}
